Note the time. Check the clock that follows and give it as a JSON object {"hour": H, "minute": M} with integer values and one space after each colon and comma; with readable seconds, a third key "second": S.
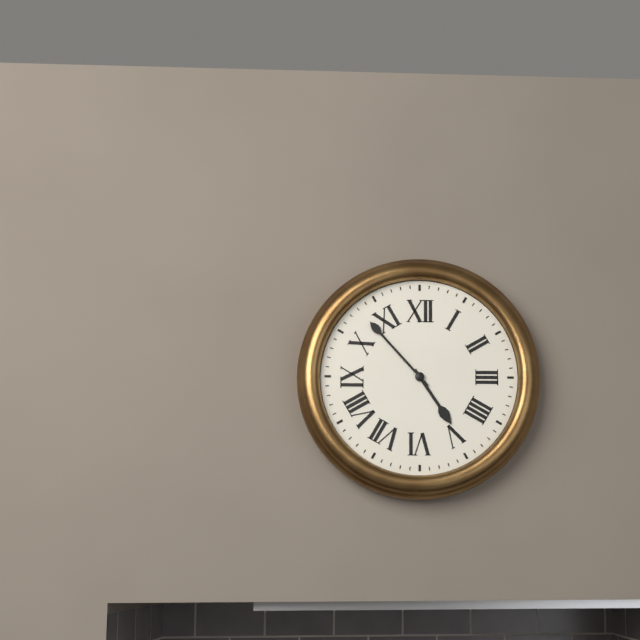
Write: {"hour": 4, "minute": 53}
